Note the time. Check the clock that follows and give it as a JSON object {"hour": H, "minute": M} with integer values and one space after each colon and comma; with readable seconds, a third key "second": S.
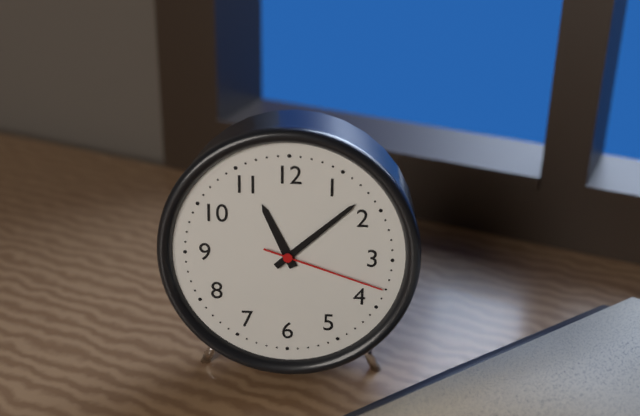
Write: {"hour": 11, "minute": 8, "second": 18}
